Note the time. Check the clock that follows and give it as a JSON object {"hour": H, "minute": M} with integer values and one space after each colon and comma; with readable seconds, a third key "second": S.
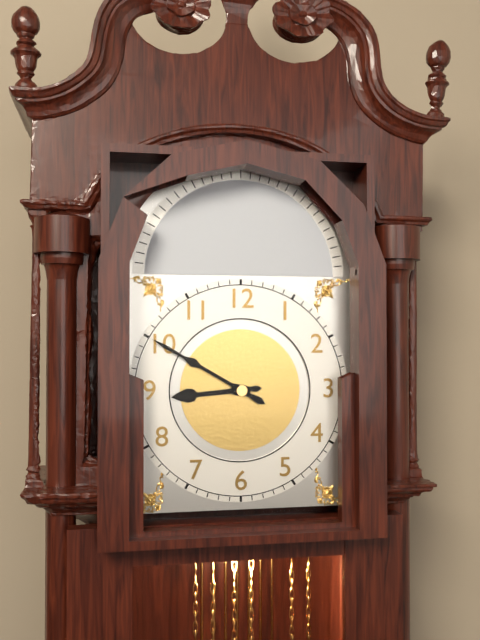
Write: {"hour": 8, "minute": 50}
